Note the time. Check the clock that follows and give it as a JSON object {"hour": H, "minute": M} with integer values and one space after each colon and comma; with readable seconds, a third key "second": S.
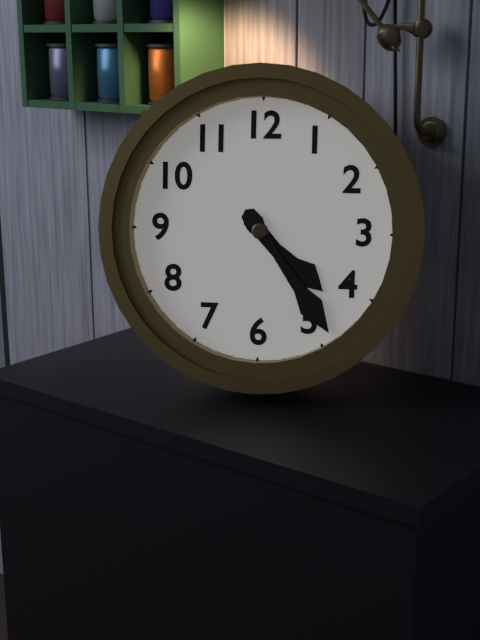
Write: {"hour": 4, "minute": 24}
